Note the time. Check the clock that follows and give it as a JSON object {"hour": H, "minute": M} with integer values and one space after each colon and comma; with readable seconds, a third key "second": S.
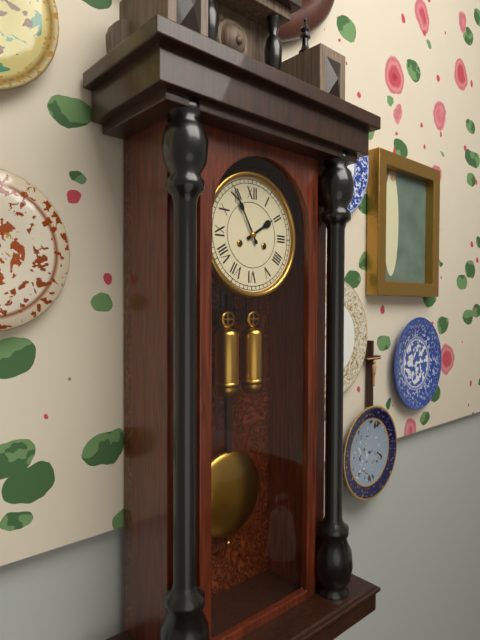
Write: {"hour": 1, "minute": 55}
